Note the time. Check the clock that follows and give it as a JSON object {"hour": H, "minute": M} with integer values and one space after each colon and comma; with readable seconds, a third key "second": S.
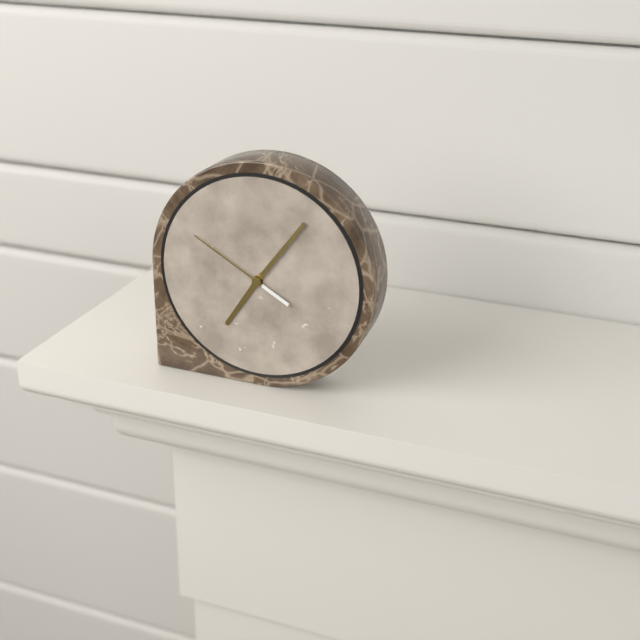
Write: {"hour": 7, "minute": 6, "second": 50}
